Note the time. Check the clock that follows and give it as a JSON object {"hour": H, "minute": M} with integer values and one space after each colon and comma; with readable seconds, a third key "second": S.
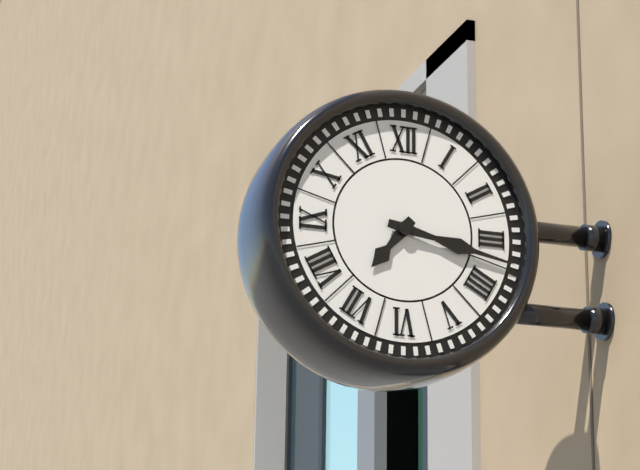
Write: {"hour": 7, "minute": 17}
